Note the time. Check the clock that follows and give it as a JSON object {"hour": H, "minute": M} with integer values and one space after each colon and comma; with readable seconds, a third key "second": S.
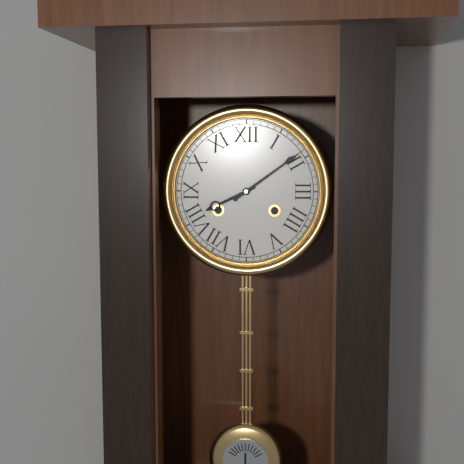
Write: {"hour": 8, "minute": 9}
